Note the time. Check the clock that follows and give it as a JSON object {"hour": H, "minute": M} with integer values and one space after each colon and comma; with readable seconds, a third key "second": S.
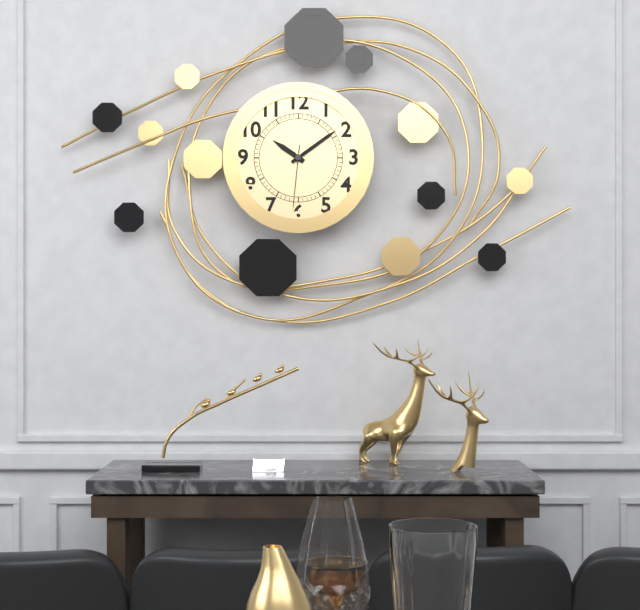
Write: {"hour": 10, "minute": 9, "second": 31}
